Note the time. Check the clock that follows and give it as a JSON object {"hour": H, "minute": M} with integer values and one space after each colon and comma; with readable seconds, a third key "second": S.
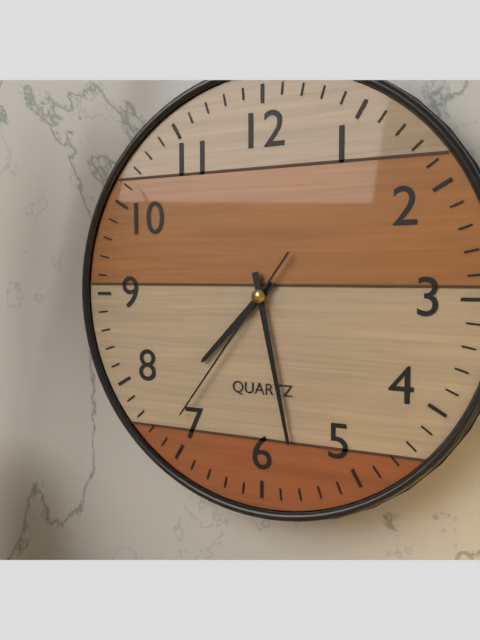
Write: {"hour": 7, "minute": 28, "second": 36}
